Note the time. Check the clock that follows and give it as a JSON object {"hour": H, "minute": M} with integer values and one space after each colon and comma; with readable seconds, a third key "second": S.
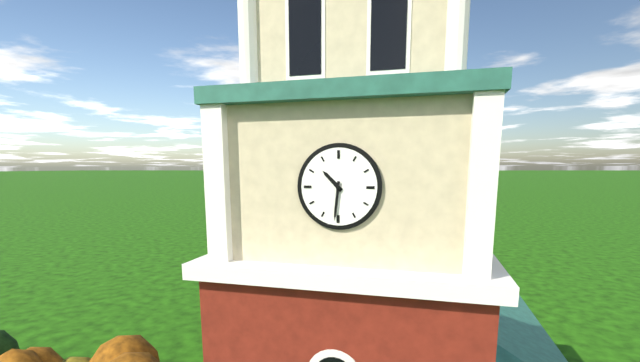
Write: {"hour": 10, "minute": 31}
